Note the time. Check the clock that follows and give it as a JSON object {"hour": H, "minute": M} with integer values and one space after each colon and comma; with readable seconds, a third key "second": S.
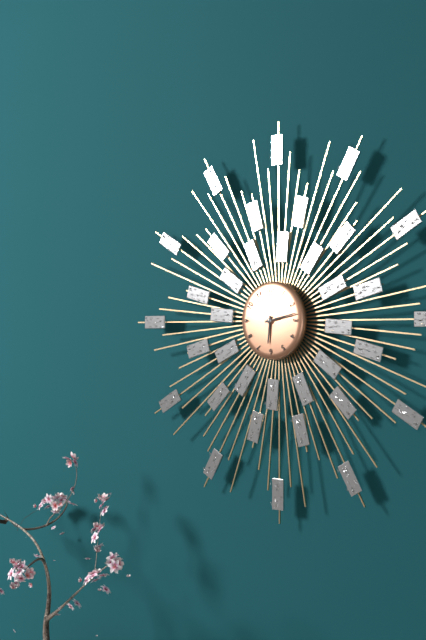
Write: {"hour": 6, "minute": 13}
